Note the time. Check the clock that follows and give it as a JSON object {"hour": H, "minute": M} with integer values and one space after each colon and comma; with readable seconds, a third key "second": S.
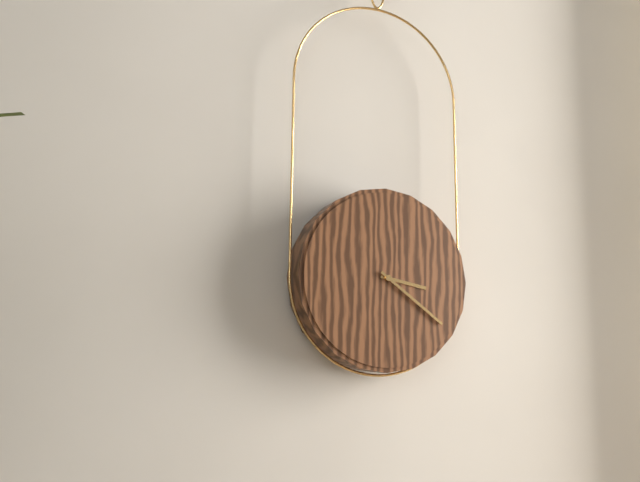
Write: {"hour": 3, "minute": 21}
